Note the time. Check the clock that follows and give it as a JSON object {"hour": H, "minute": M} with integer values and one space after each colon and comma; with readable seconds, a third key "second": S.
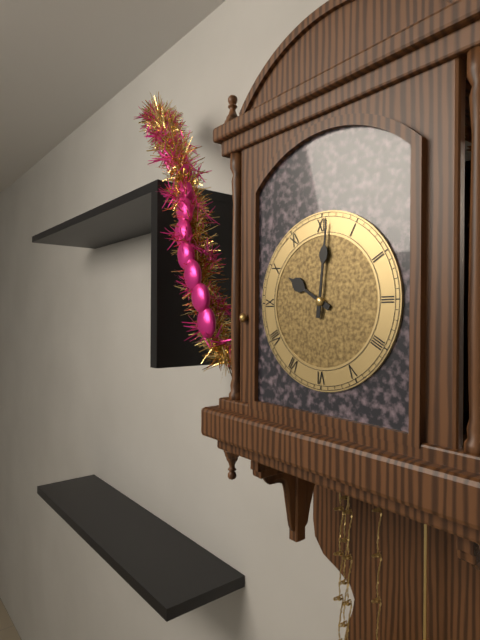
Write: {"hour": 10, "minute": 1}
